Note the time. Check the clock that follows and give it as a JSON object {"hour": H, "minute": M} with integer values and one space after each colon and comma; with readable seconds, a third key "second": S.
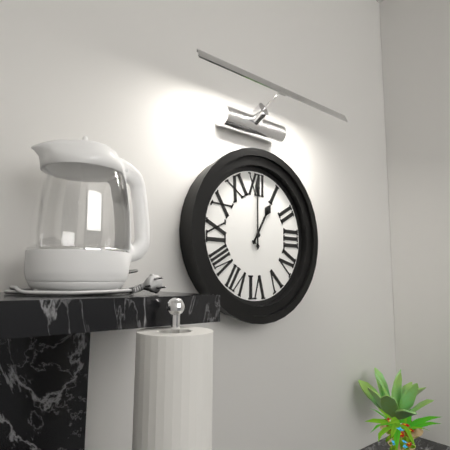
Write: {"hour": 1, "minute": 0}
